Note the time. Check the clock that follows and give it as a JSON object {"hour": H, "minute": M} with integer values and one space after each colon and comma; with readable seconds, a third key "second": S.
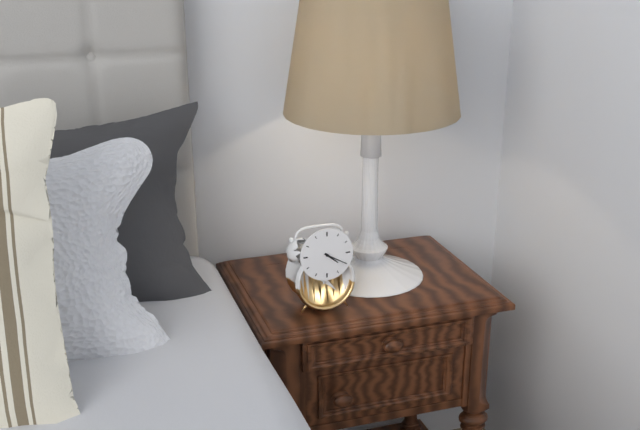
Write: {"hour": 4, "minute": 20}
